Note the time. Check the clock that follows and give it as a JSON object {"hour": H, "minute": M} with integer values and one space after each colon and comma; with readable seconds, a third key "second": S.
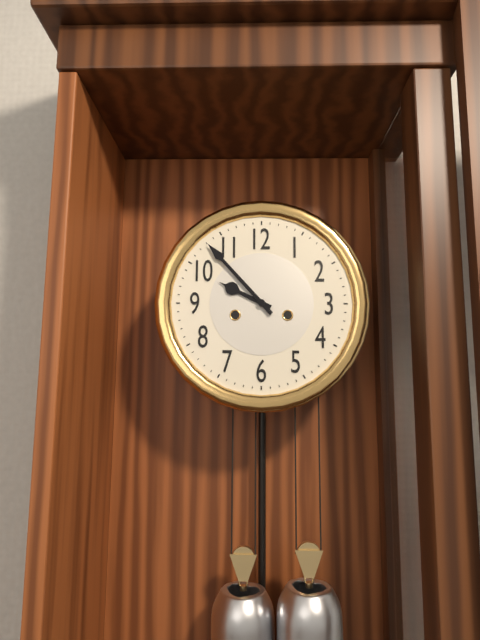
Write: {"hour": 9, "minute": 53}
